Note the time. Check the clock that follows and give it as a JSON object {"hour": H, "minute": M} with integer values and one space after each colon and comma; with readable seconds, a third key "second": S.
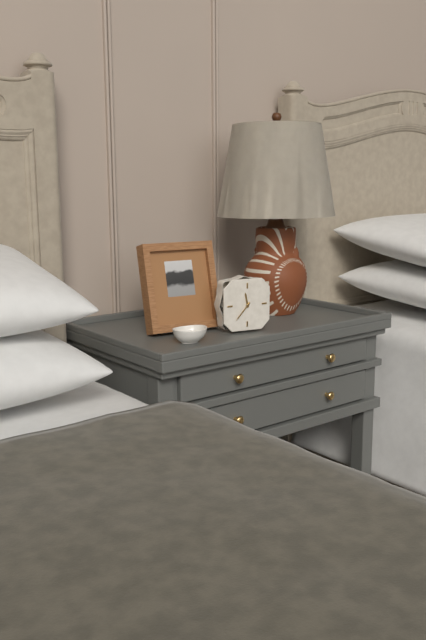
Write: {"hour": 11, "minute": 37}
